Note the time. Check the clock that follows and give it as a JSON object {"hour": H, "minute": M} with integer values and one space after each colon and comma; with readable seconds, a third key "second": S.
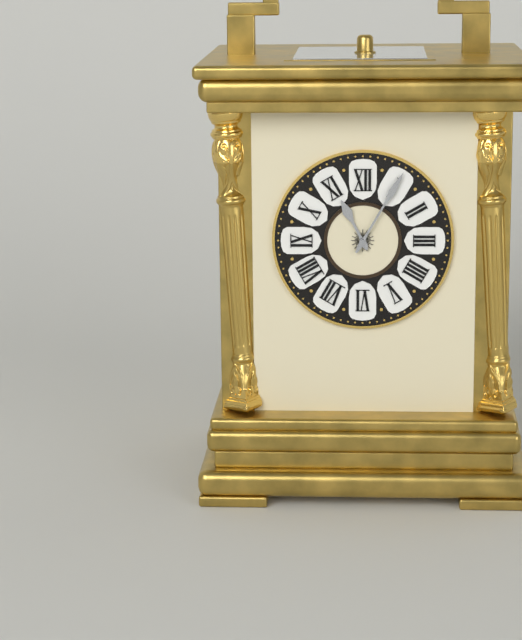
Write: {"hour": 11, "minute": 5}
